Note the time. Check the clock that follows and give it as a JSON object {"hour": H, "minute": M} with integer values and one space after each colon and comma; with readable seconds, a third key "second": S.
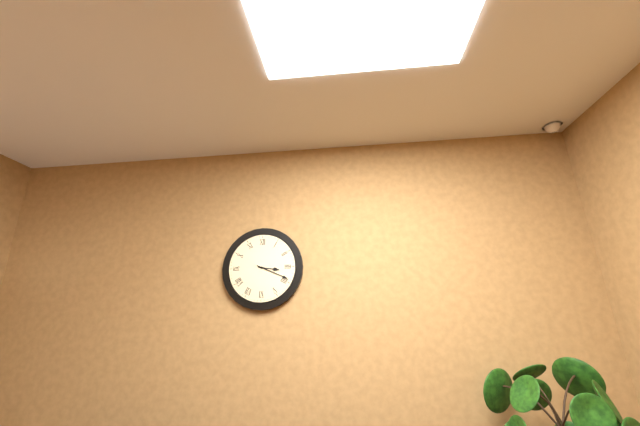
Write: {"hour": 3, "minute": 19}
